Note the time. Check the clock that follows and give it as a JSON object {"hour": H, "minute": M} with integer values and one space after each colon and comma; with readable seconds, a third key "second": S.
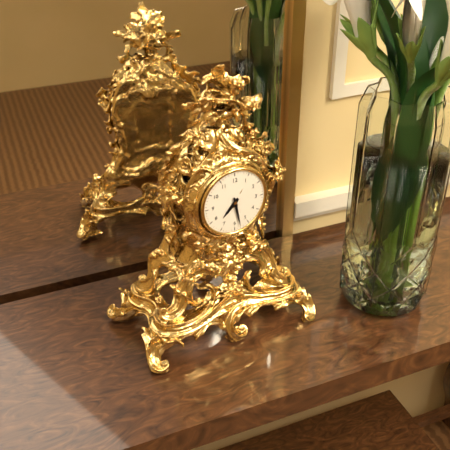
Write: {"hour": 7, "minute": 28}
